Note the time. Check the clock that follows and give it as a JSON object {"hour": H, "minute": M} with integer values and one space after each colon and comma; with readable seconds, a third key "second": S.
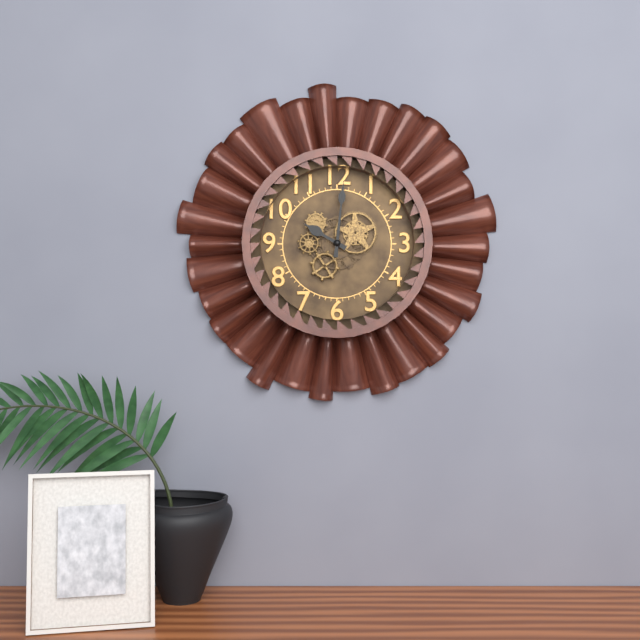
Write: {"hour": 10, "minute": 1}
